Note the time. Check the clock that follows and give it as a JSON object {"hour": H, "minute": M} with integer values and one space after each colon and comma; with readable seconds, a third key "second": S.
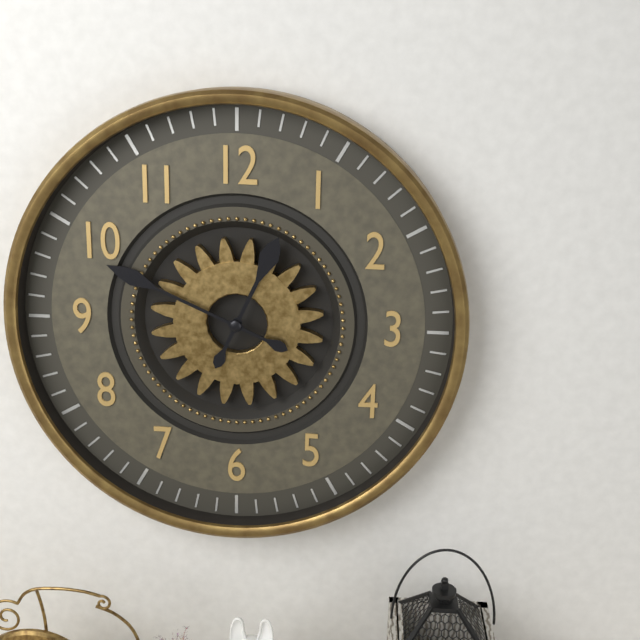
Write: {"hour": 12, "minute": 49}
